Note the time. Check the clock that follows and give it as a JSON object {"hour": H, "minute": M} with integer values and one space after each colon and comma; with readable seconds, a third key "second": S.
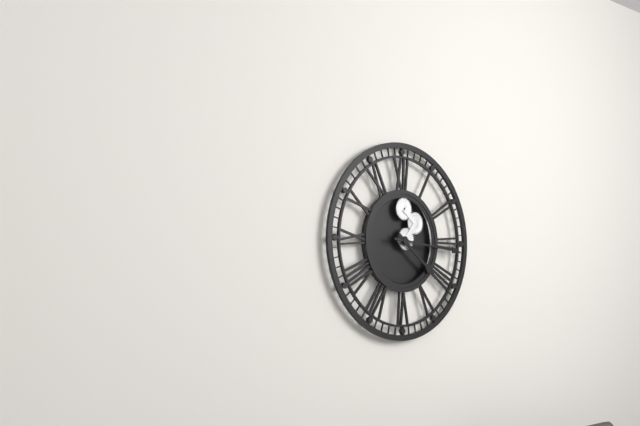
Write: {"hour": 4, "minute": 16}
